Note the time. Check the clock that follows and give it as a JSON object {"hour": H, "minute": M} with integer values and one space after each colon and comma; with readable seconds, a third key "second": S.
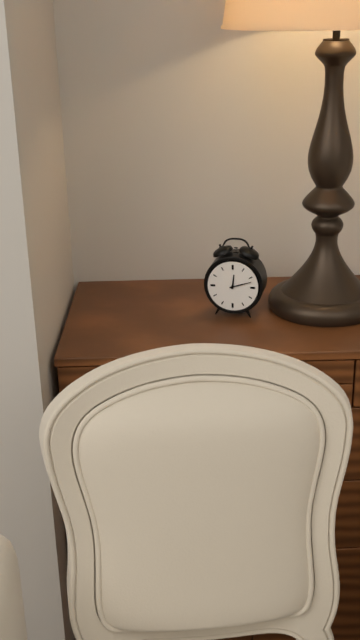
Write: {"hour": 12, "minute": 12}
